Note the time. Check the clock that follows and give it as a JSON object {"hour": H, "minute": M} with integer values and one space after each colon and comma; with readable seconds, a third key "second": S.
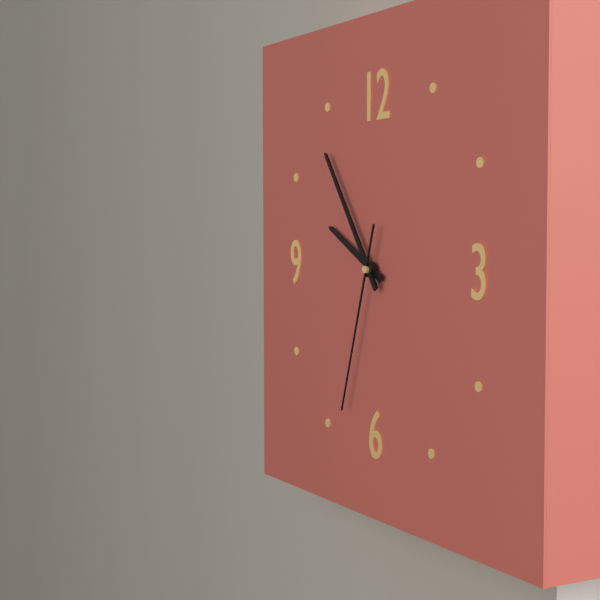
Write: {"hour": 9, "minute": 54, "second": 33}
